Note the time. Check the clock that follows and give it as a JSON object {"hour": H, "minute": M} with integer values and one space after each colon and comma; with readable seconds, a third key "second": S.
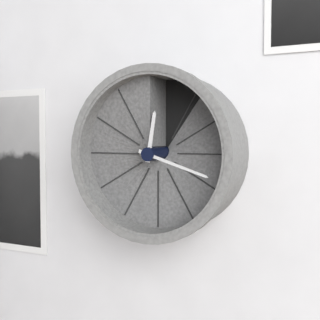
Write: {"hour": 12, "minute": 18}
